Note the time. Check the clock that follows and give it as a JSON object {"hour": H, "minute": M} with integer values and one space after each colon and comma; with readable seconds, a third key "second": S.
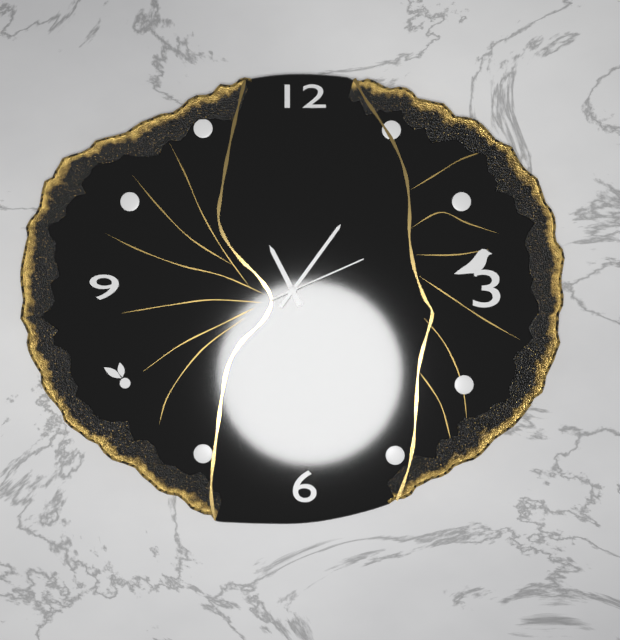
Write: {"hour": 11, "minute": 6, "second": 11}
